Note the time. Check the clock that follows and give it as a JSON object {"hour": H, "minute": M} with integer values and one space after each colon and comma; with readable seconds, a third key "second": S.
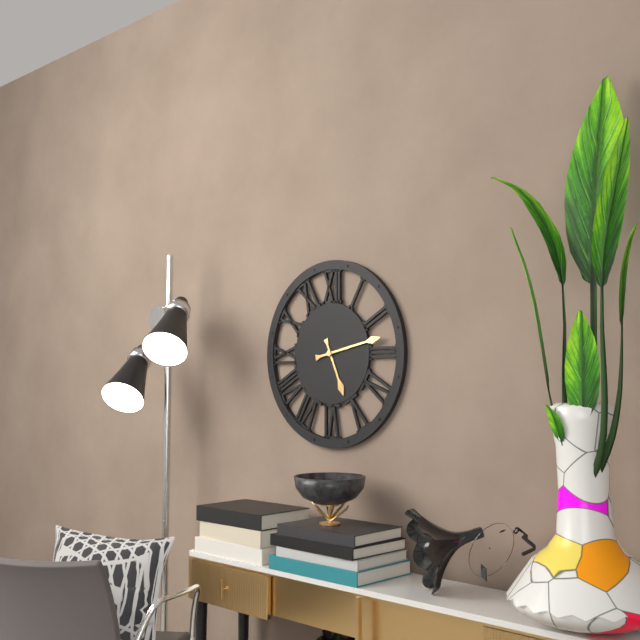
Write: {"hour": 5, "minute": 13}
